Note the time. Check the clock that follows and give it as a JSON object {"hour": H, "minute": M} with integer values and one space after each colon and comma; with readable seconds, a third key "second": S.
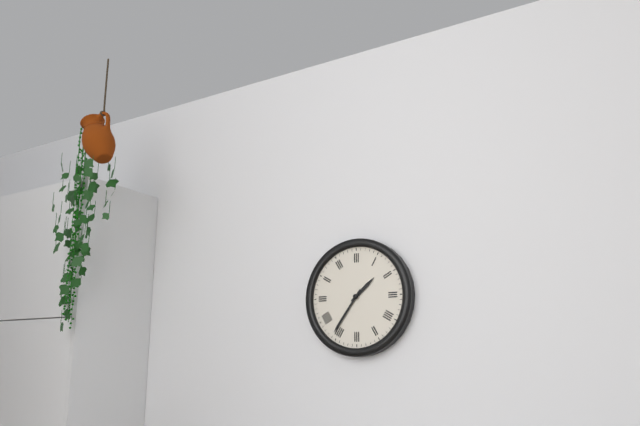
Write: {"hour": 1, "minute": 36}
